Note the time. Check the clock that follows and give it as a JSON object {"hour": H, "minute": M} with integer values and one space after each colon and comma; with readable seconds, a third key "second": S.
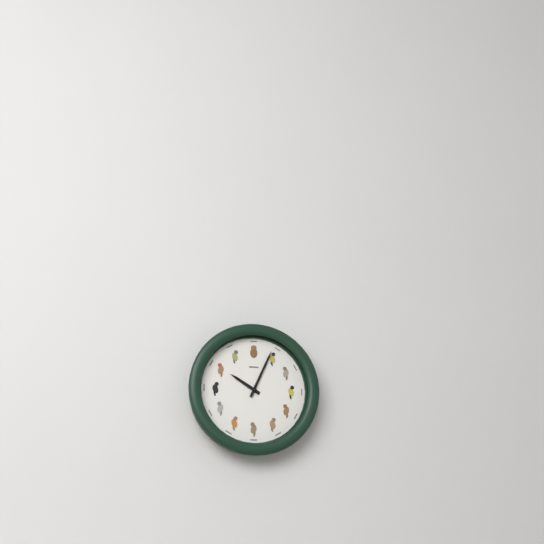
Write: {"hour": 10, "minute": 4}
